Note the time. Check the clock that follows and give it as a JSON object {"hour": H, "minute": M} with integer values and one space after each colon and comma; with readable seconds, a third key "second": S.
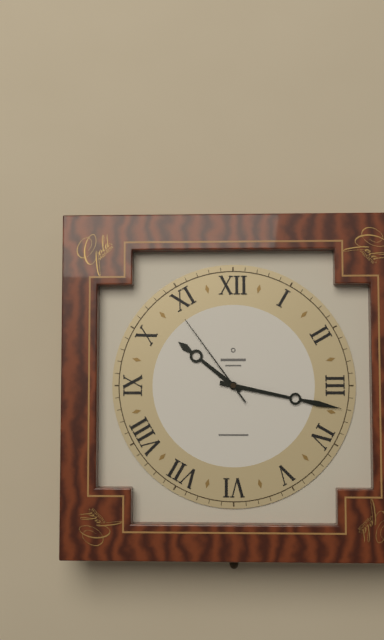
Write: {"hour": 10, "minute": 17, "second": 54}
